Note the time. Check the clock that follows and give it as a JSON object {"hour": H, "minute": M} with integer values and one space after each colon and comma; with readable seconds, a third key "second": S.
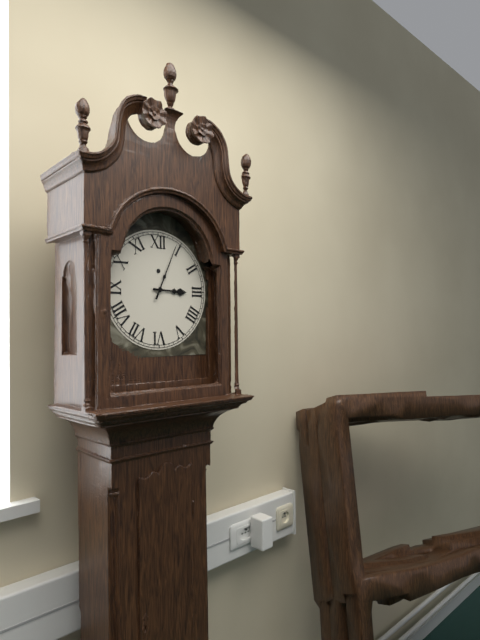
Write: {"hour": 3, "minute": 4}
